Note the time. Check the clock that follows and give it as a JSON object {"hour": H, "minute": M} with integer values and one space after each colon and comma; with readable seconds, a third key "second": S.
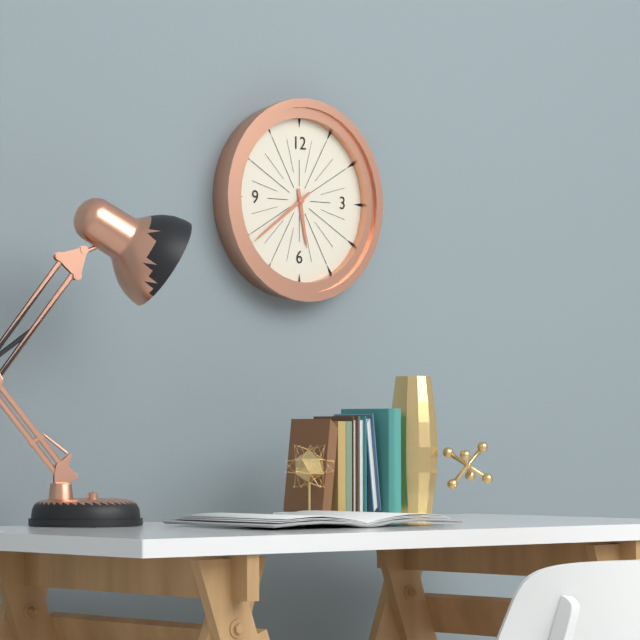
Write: {"hour": 5, "minute": 39}
